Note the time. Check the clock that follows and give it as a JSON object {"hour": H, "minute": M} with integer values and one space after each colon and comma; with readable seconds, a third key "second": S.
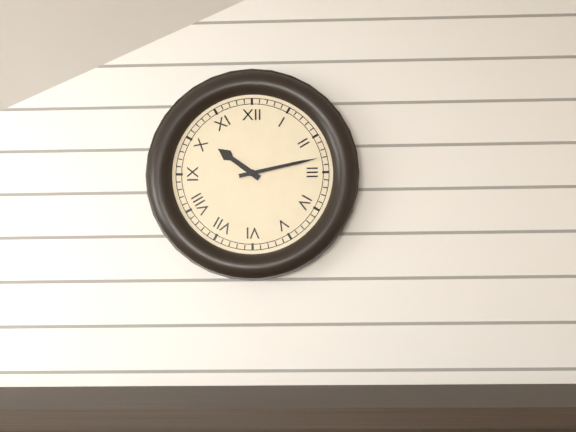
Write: {"hour": 10, "minute": 13}
